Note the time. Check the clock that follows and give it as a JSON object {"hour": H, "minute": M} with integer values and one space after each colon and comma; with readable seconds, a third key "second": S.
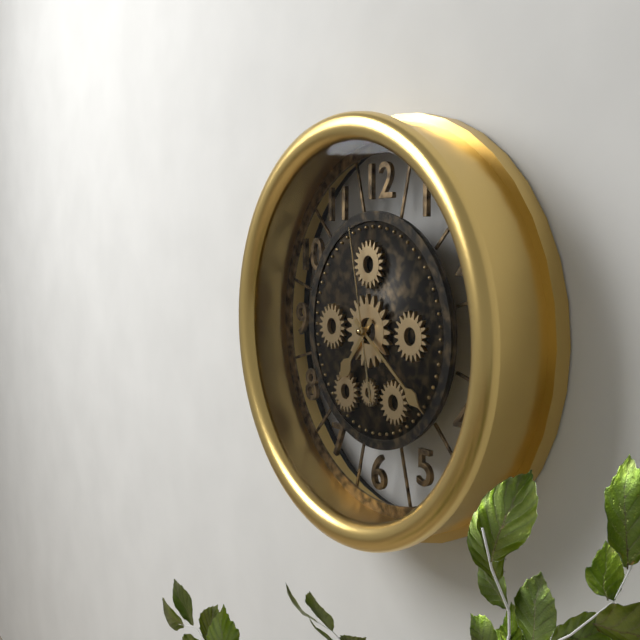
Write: {"hour": 7, "minute": 21, "second": 58}
